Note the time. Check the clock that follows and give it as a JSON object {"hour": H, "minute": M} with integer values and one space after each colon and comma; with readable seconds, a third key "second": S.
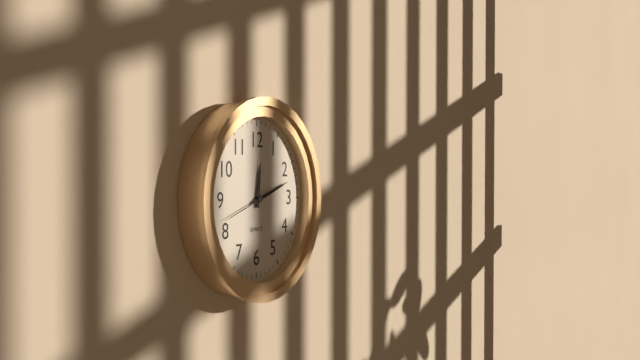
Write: {"hour": 12, "minute": 12}
